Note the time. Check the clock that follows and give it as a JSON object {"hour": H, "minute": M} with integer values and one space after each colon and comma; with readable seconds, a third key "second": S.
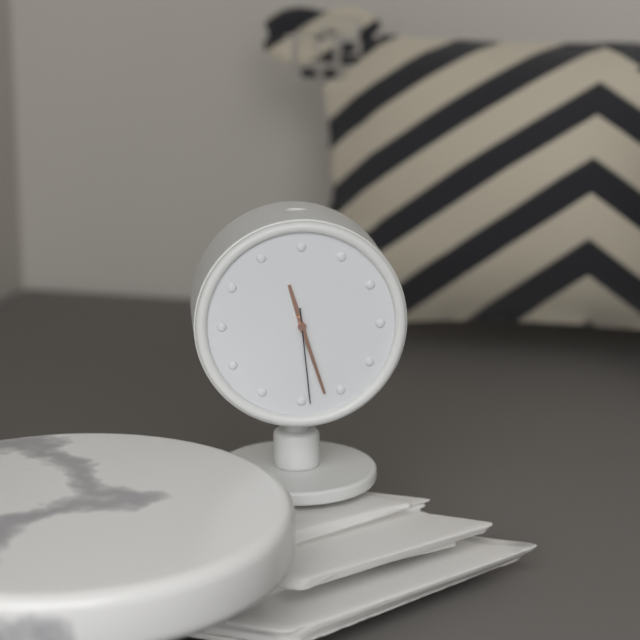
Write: {"hour": 11, "minute": 27, "second": 29}
